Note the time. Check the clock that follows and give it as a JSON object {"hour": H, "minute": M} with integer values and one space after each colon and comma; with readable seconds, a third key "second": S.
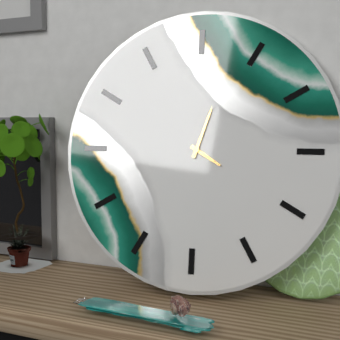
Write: {"hour": 4, "minute": 3}
